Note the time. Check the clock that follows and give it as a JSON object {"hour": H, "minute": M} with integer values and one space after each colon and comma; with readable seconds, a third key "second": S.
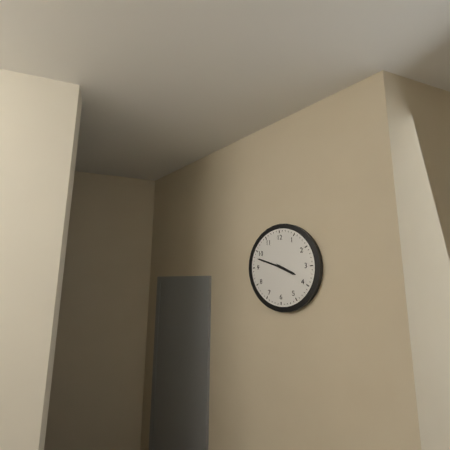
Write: {"hour": 3, "minute": 48}
